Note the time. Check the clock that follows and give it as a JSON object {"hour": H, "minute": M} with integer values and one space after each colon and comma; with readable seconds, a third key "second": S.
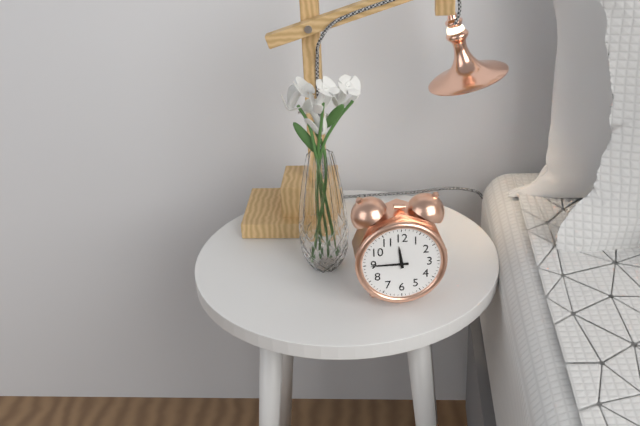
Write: {"hour": 11, "minute": 45}
